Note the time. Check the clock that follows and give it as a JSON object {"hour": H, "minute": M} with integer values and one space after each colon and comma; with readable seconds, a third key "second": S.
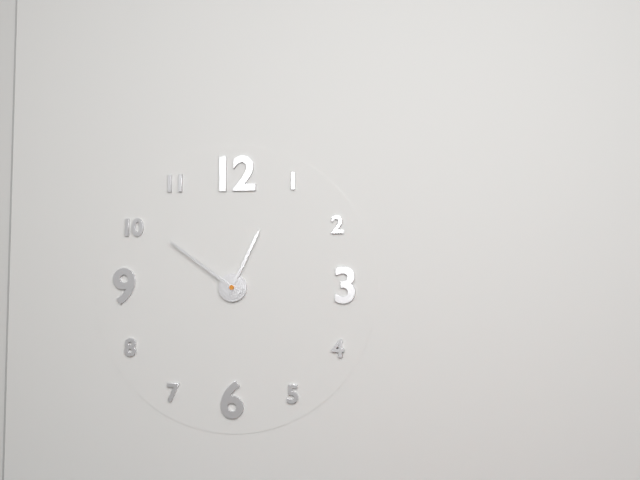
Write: {"hour": 12, "minute": 51}
